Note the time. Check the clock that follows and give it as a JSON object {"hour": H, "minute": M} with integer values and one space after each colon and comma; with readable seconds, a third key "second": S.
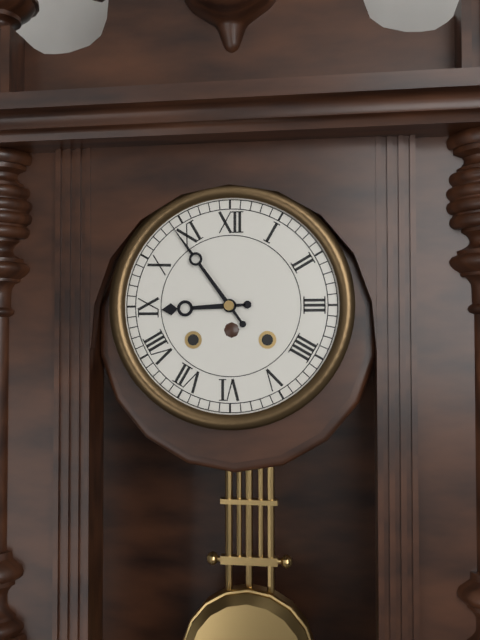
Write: {"hour": 8, "minute": 54}
